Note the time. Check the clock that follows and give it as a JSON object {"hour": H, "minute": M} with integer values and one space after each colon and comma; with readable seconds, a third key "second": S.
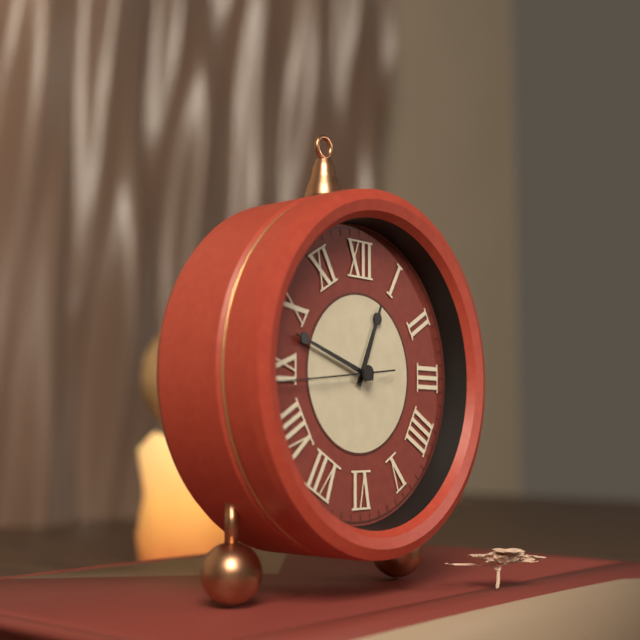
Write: {"hour": 12, "minute": 48, "second": 44}
